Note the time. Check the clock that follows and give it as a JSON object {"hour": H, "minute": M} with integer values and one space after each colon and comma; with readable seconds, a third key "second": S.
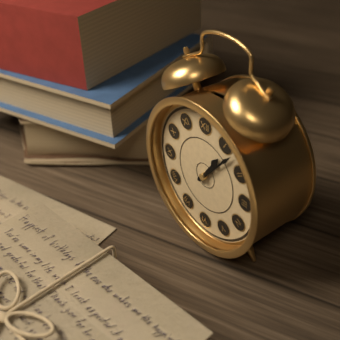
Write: {"hour": 1, "minute": 7}
